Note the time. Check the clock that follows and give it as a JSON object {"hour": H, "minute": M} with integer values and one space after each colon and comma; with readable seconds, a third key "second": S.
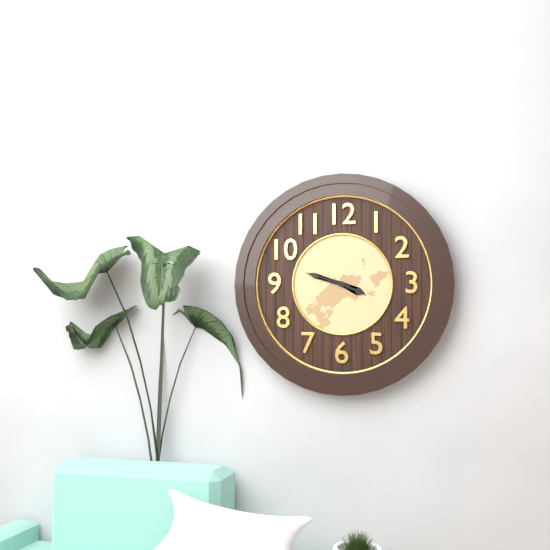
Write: {"hour": 3, "minute": 48}
